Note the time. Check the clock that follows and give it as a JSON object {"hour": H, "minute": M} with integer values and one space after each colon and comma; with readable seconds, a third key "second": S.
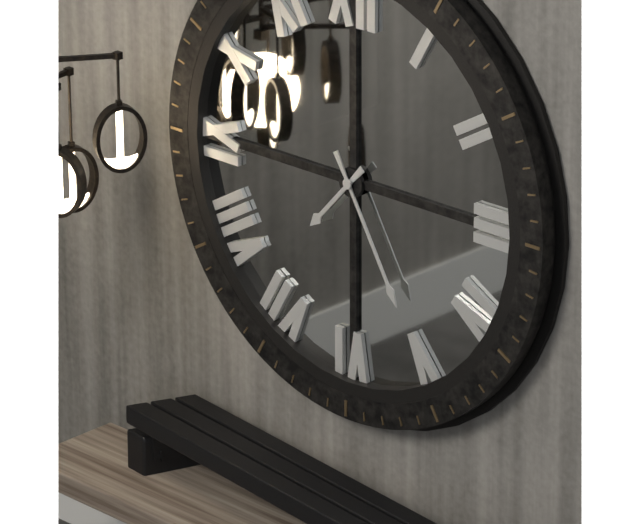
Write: {"hour": 7, "minute": 25}
